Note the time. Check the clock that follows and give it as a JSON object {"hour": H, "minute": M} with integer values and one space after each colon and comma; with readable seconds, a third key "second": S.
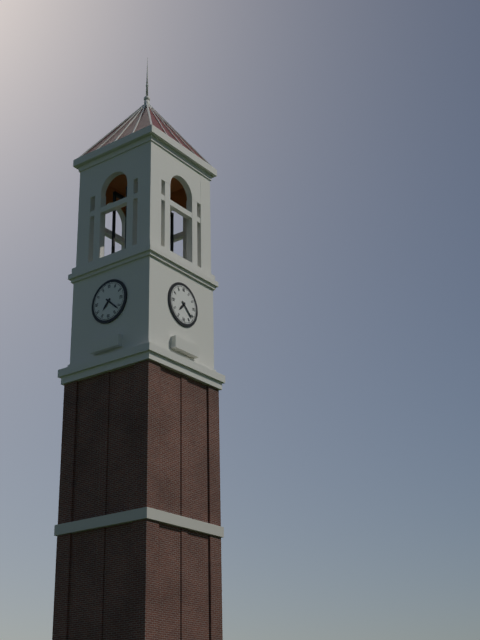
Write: {"hour": 7, "minute": 22}
